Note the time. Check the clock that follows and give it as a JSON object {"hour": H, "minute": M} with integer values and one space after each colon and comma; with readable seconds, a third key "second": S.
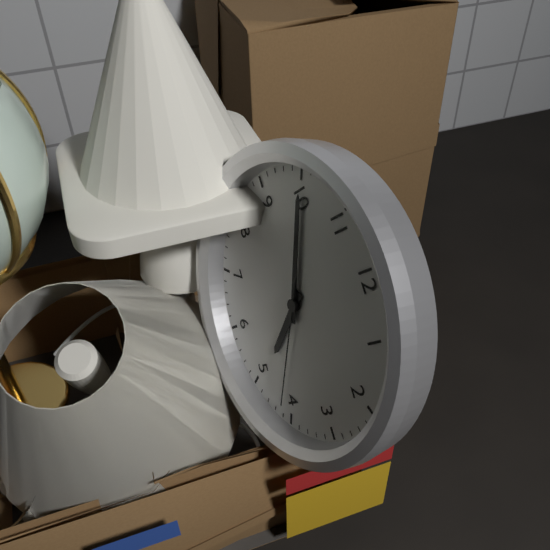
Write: {"hour": 4, "minute": 50, "second": 21}
